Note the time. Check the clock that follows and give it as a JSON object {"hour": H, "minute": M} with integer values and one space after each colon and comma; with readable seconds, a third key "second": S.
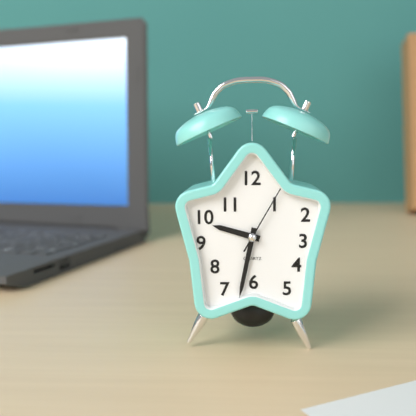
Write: {"hour": 9, "minute": 32, "second": 5}
